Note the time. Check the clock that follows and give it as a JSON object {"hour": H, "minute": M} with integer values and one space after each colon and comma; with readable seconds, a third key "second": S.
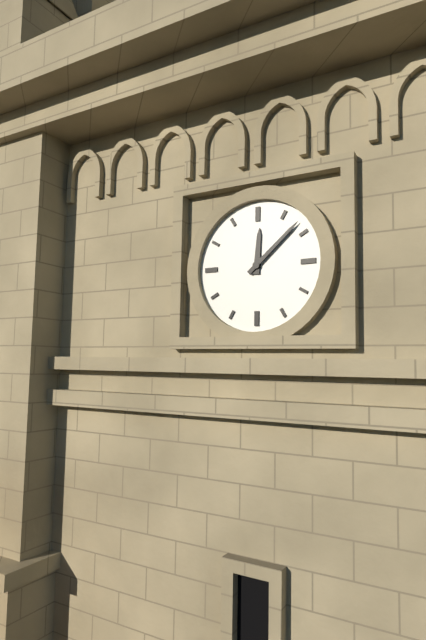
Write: {"hour": 12, "minute": 8}
